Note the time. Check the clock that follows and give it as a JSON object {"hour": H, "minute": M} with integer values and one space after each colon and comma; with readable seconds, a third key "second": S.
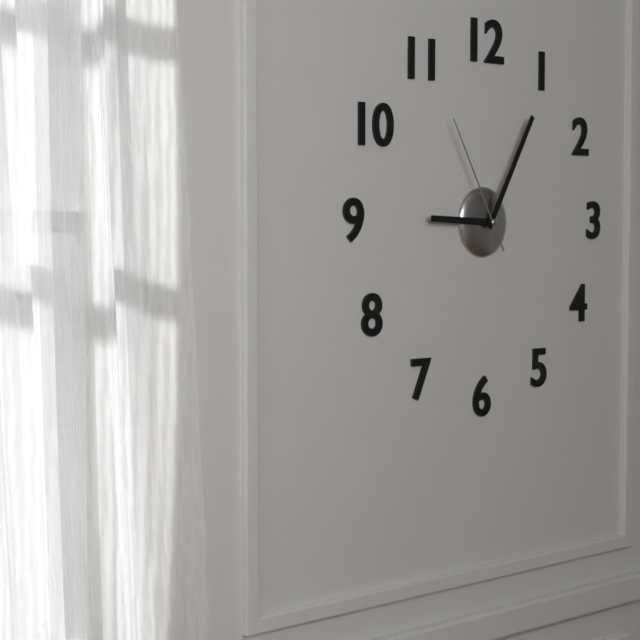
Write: {"hour": 9, "minute": 5, "second": 55}
